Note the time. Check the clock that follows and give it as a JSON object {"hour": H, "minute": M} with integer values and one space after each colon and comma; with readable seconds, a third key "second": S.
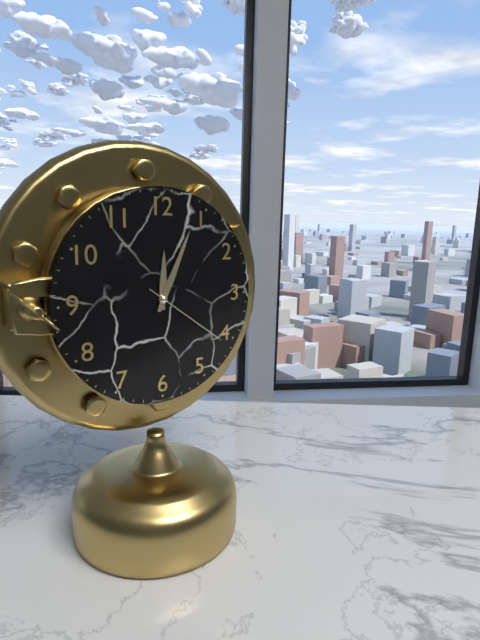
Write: {"hour": 12, "minute": 4, "second": 21}
